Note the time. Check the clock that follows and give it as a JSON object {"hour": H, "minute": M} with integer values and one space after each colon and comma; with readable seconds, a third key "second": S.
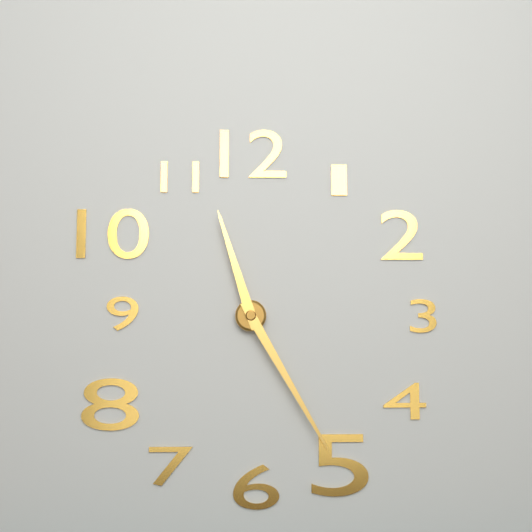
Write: {"hour": 11, "minute": 25}
